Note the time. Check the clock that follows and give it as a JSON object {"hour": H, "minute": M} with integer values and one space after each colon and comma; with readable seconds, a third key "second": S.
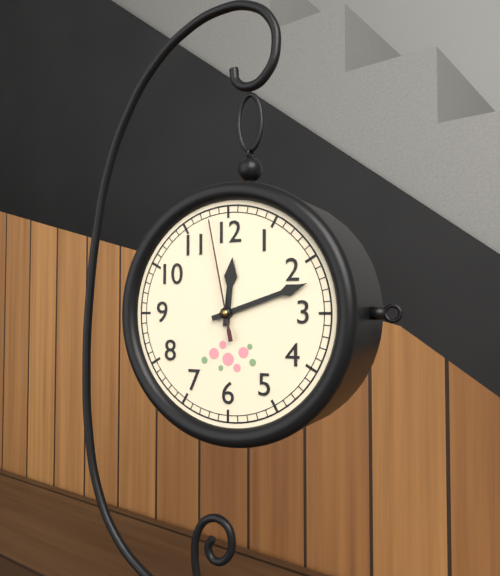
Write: {"hour": 12, "minute": 12, "second": 58}
